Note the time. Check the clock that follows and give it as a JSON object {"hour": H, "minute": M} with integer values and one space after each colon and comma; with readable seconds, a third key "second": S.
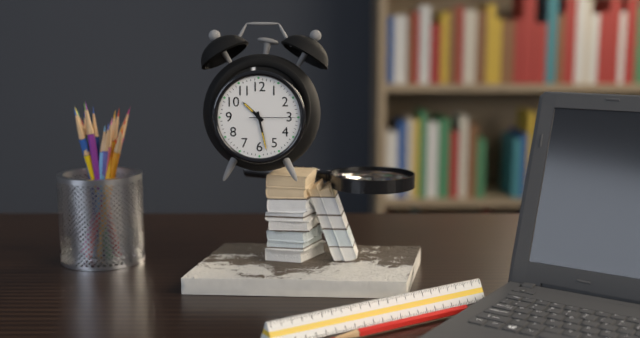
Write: {"hour": 10, "minute": 28}
